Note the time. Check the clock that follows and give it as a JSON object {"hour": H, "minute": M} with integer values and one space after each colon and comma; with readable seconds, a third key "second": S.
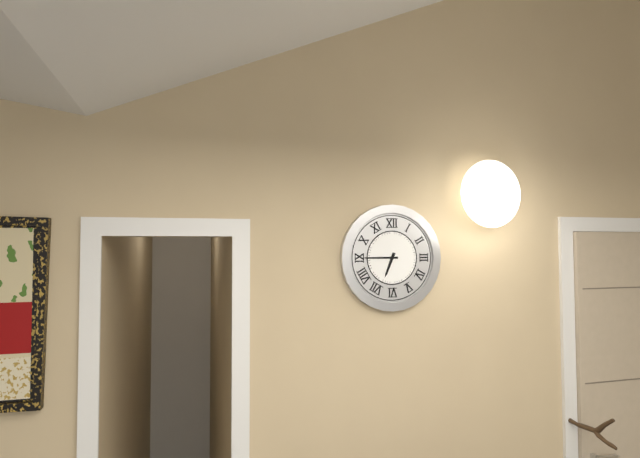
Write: {"hour": 6, "minute": 45}
